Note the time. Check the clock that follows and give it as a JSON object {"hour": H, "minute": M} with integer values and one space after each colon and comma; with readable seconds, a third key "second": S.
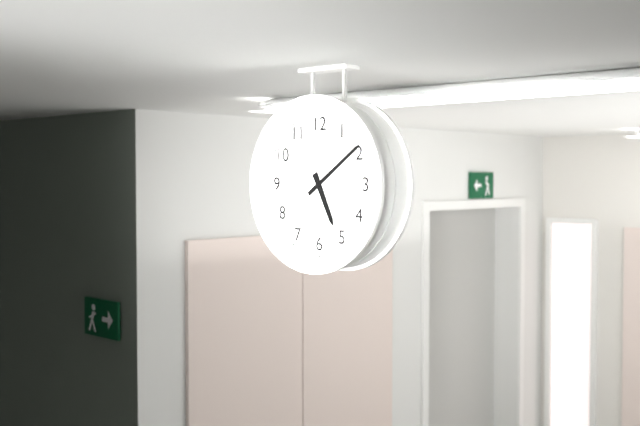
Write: {"hour": 5, "minute": 9}
